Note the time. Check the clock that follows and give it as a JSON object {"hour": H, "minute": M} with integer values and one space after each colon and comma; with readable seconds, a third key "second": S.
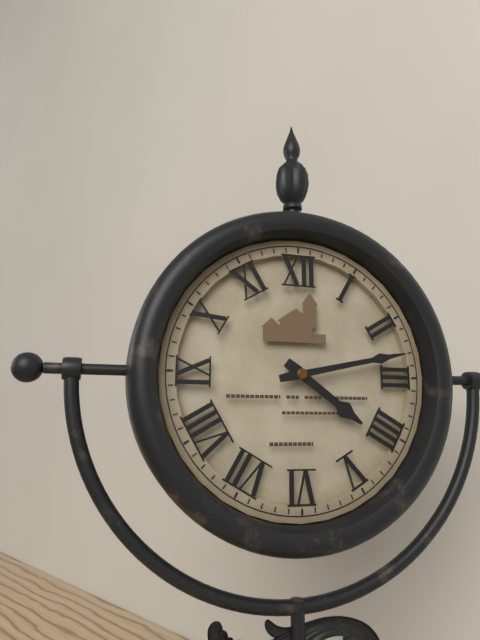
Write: {"hour": 4, "minute": 13}
